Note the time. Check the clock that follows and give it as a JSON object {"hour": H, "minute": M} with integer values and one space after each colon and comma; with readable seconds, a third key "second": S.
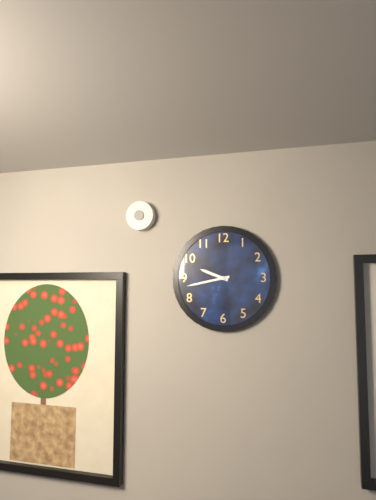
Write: {"hour": 9, "minute": 43}
